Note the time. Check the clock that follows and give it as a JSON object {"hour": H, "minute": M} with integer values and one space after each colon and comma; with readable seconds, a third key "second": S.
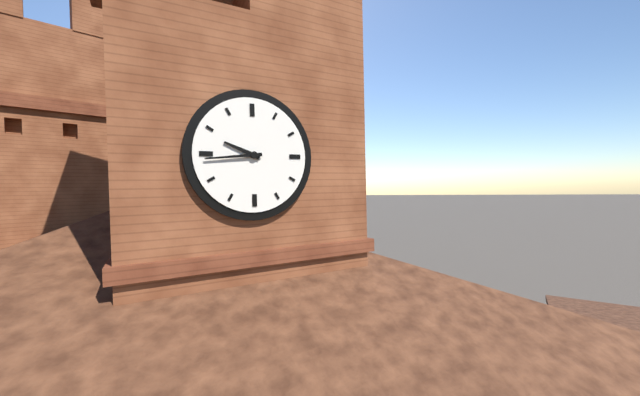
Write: {"hour": 9, "minute": 44}
